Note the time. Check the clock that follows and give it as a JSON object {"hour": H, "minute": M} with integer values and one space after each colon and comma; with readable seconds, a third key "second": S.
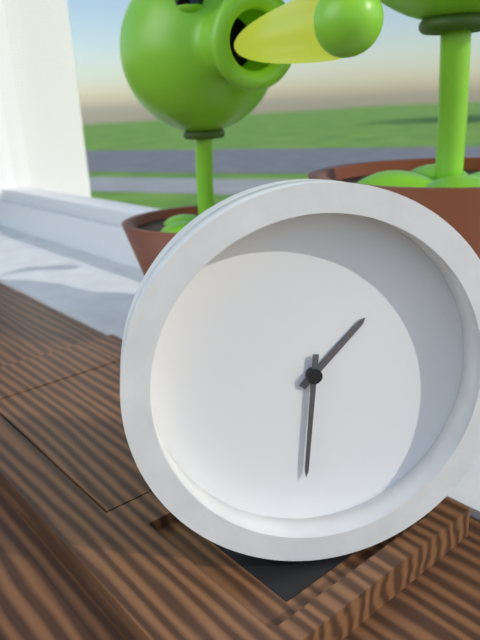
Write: {"hour": 1, "minute": 31}
